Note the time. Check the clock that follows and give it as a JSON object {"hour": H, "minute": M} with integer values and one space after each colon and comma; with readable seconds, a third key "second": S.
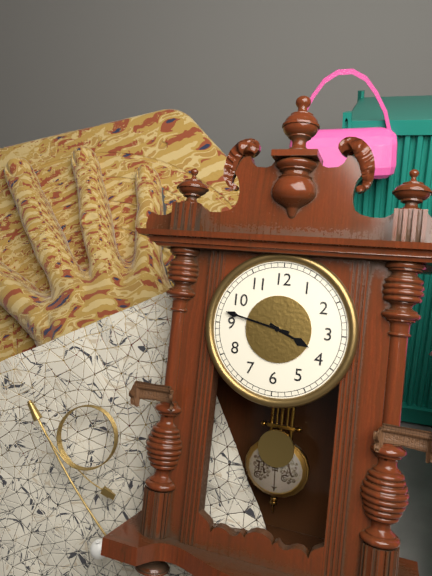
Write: {"hour": 3, "minute": 47}
